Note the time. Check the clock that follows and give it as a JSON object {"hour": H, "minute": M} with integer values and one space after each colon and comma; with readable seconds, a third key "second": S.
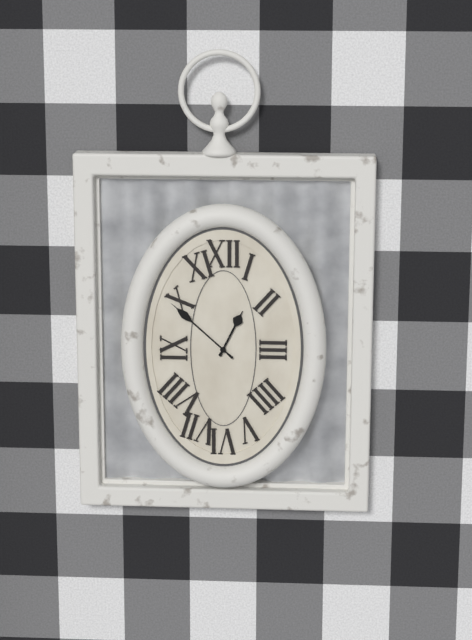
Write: {"hour": 12, "minute": 52}
